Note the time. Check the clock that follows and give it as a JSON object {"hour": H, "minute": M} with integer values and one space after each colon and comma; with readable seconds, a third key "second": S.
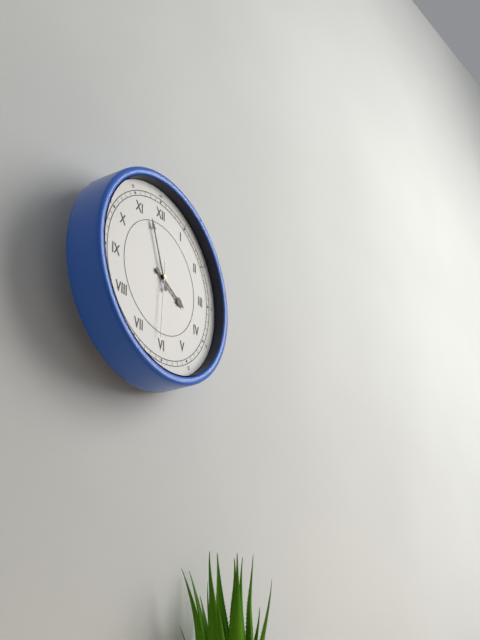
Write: {"hour": 3, "minute": 57, "second": 31}
